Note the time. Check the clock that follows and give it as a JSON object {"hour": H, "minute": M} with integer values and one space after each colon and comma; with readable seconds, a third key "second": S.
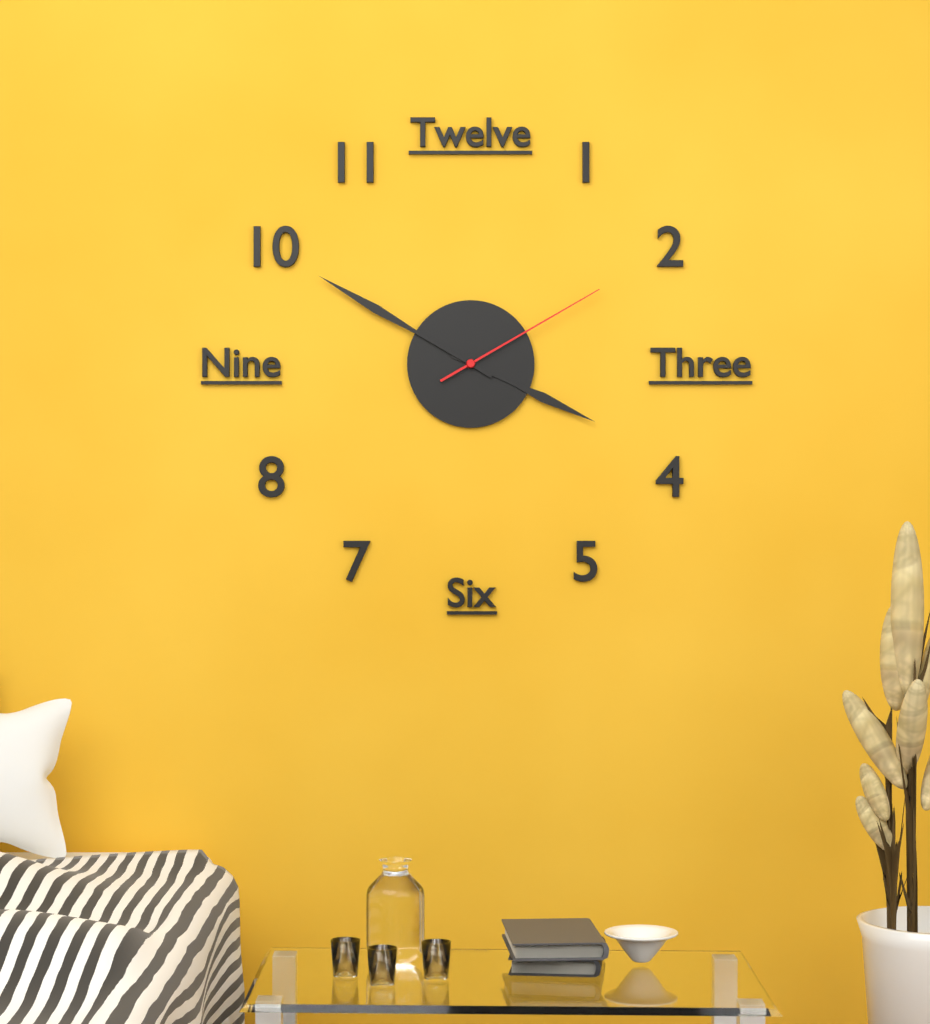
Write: {"hour": 3, "minute": 50, "second": 10}
